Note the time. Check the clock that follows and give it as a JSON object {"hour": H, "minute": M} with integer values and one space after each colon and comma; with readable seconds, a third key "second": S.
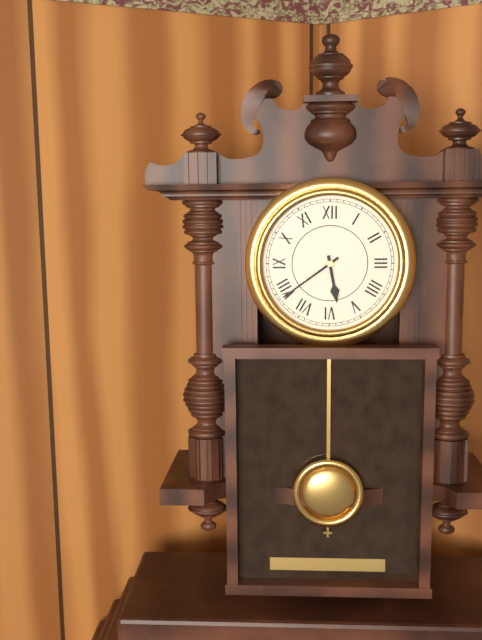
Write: {"hour": 5, "minute": 39}
